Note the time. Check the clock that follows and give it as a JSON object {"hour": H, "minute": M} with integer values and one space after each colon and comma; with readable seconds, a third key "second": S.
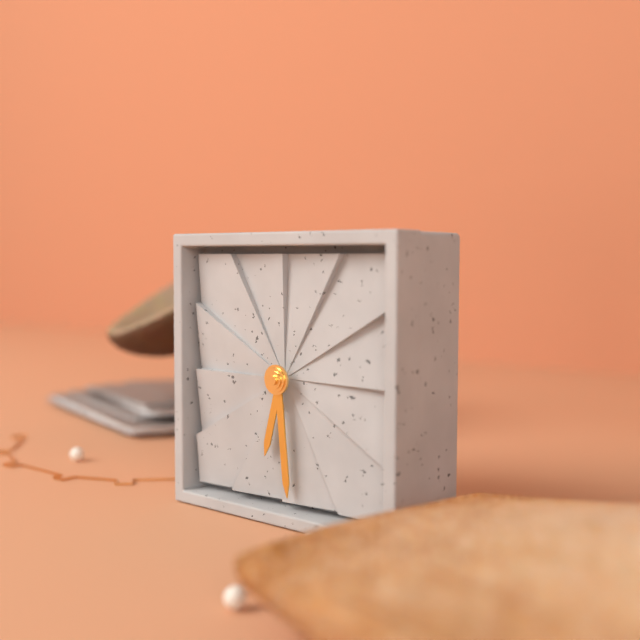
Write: {"hour": 6, "minute": 29}
